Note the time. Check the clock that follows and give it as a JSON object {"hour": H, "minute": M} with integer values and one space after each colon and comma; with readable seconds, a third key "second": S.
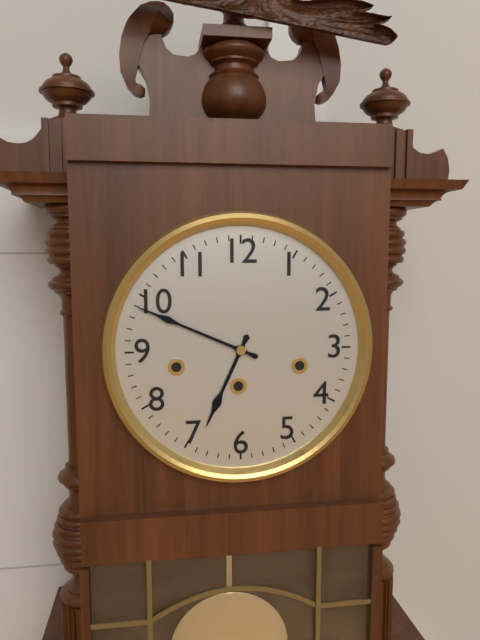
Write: {"hour": 6, "minute": 49}
